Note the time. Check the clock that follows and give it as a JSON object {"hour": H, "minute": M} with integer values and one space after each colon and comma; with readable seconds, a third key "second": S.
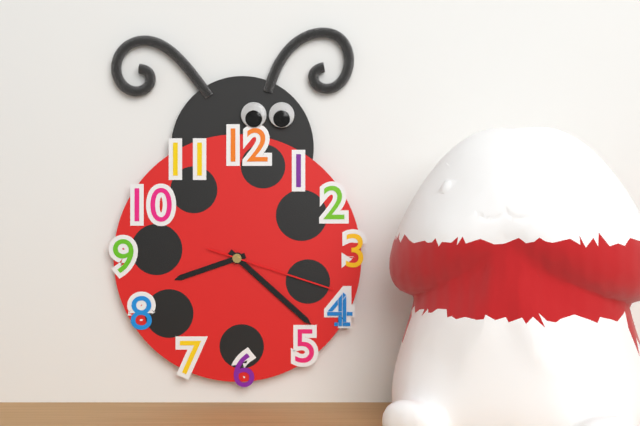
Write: {"hour": 8, "minute": 22, "second": 18}
